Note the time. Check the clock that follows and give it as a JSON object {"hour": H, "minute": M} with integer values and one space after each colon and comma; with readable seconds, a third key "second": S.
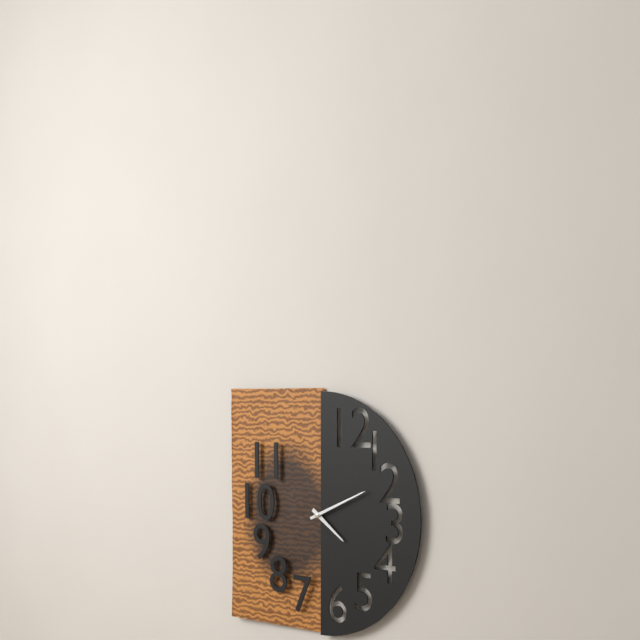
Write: {"hour": 4, "minute": 11}
